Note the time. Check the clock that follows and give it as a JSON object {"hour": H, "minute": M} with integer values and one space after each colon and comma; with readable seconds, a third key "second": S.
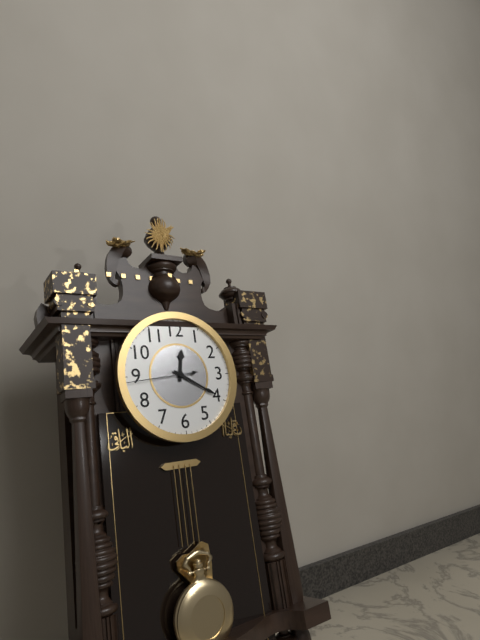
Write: {"hour": 12, "minute": 20, "second": 44}
